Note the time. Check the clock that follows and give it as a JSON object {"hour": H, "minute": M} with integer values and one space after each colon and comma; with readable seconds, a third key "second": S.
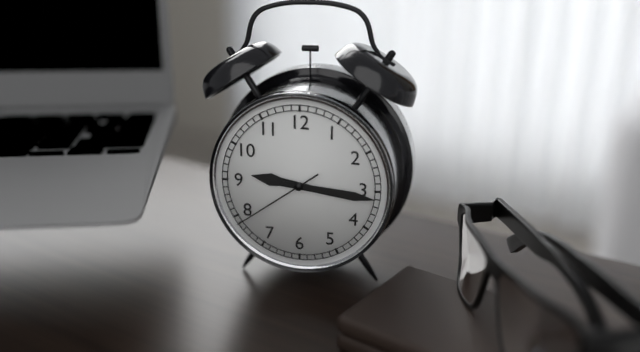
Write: {"hour": 9, "minute": 16, "second": 39}
